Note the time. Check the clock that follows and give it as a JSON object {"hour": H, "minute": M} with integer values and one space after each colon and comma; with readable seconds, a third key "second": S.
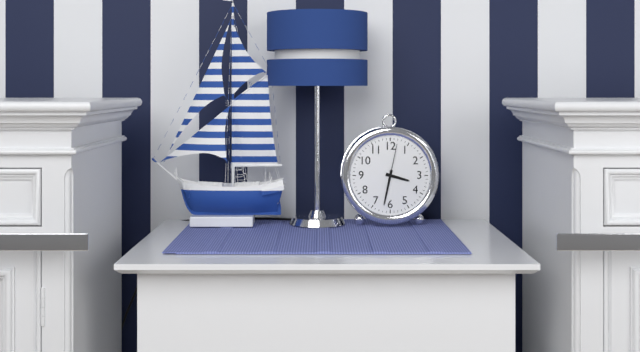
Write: {"hour": 3, "minute": 32}
